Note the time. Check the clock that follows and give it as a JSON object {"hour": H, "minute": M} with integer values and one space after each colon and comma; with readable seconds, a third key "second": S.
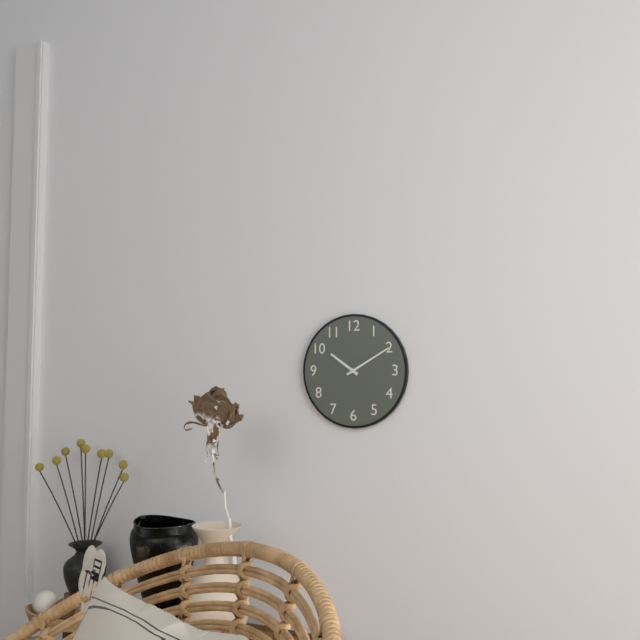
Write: {"hour": 10, "minute": 10}
